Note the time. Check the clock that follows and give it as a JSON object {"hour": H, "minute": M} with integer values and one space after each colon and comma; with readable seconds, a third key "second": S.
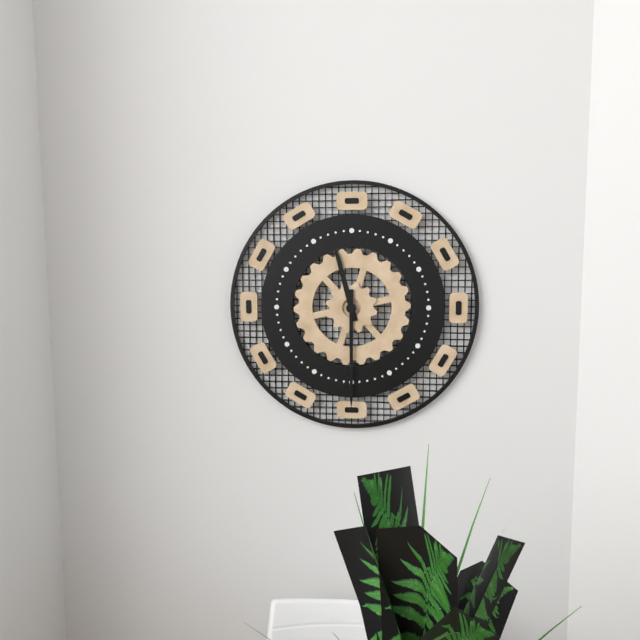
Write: {"hour": 11, "minute": 30}
